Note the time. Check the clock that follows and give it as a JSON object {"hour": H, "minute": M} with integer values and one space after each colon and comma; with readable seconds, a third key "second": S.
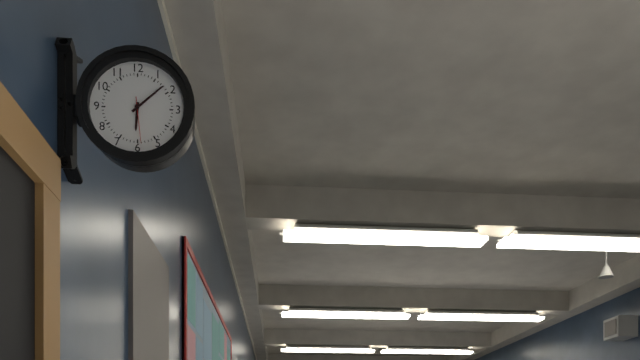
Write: {"hour": 6, "minute": 8}
